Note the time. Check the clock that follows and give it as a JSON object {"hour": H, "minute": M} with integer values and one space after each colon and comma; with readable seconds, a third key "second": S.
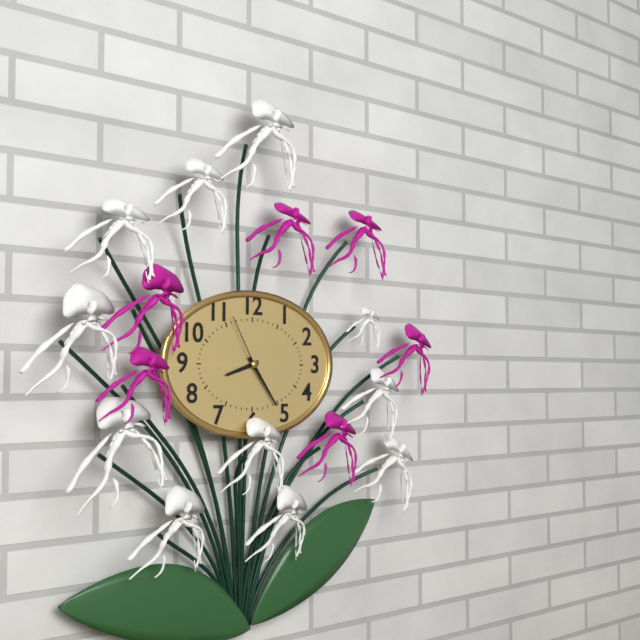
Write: {"hour": 8, "minute": 24, "second": 55}
